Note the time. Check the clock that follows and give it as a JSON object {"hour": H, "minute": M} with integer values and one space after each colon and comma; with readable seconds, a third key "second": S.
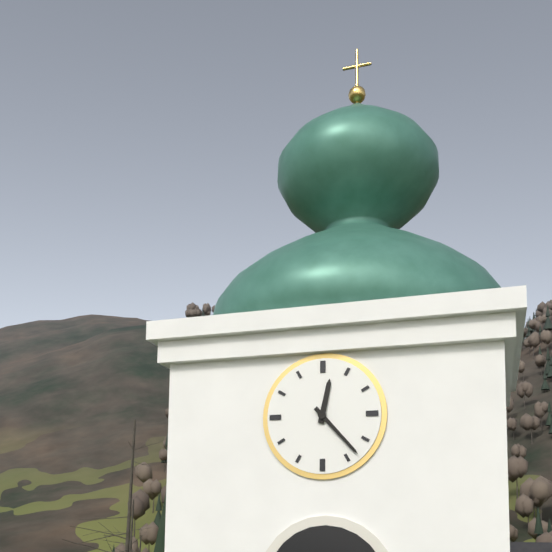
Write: {"hour": 12, "minute": 23}
